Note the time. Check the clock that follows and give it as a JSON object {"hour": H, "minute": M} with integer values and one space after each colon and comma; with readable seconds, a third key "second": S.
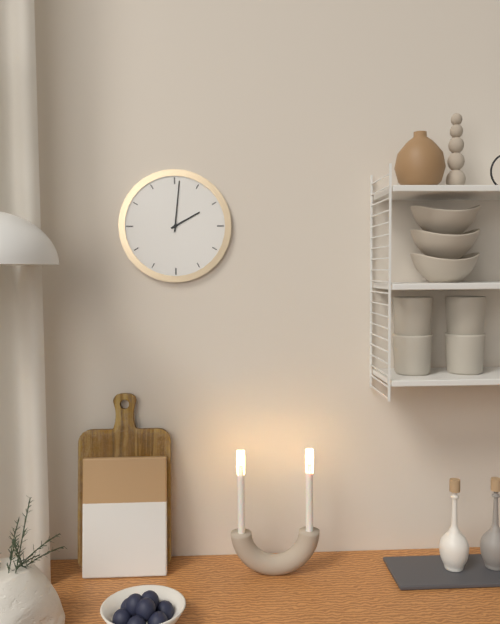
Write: {"hour": 2, "minute": 1}
